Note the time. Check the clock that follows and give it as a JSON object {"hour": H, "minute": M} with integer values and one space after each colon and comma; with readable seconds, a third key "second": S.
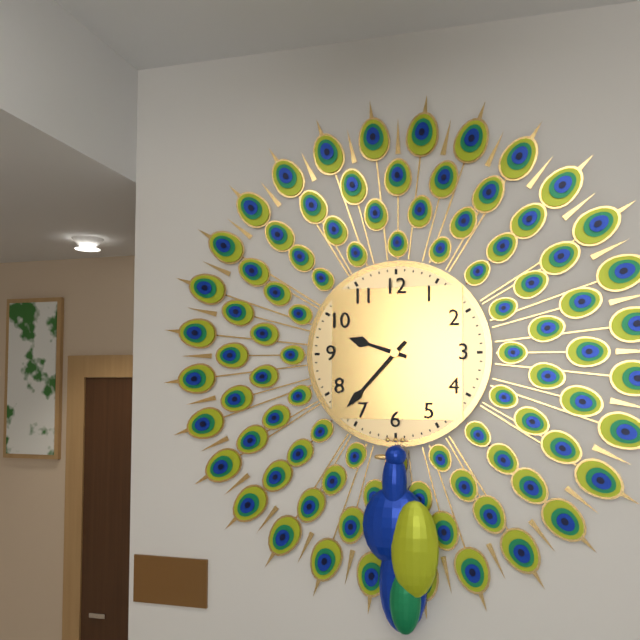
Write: {"hour": 9, "minute": 37}
